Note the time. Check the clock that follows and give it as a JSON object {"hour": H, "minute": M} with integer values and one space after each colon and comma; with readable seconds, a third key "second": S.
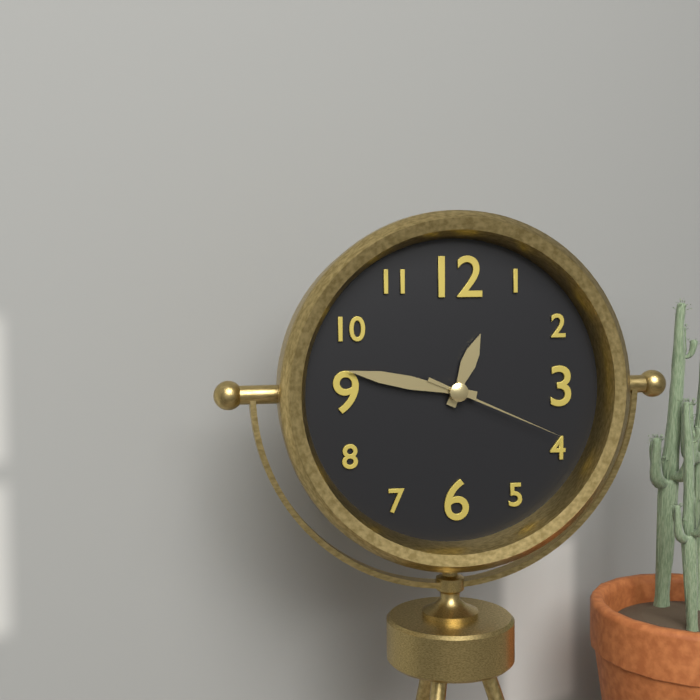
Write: {"hour": 12, "minute": 47, "second": 19}
